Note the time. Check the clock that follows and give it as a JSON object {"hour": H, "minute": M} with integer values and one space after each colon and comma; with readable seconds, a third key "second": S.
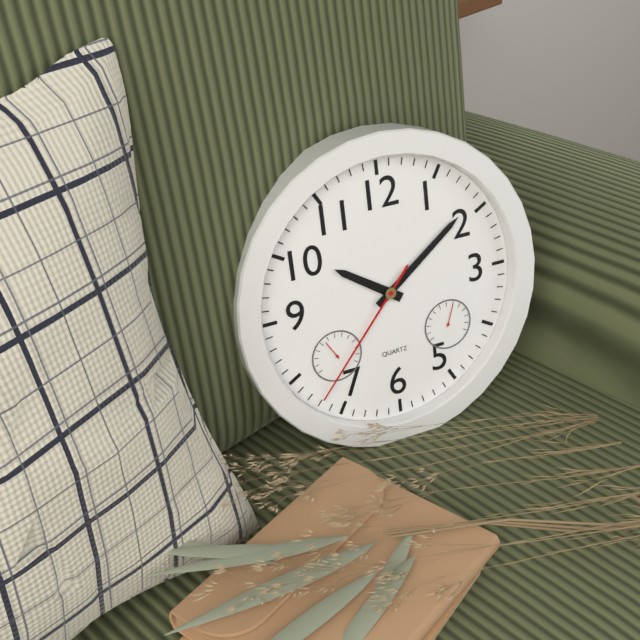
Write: {"hour": 10, "minute": 9, "second": 37}
